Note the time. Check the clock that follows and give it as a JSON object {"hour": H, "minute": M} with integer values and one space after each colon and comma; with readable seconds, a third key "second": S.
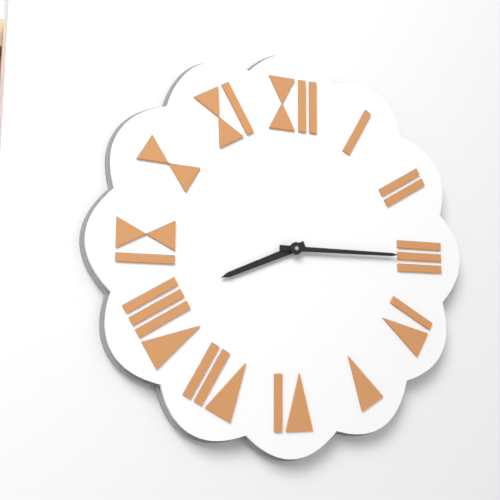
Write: {"hour": 8, "minute": 15}
